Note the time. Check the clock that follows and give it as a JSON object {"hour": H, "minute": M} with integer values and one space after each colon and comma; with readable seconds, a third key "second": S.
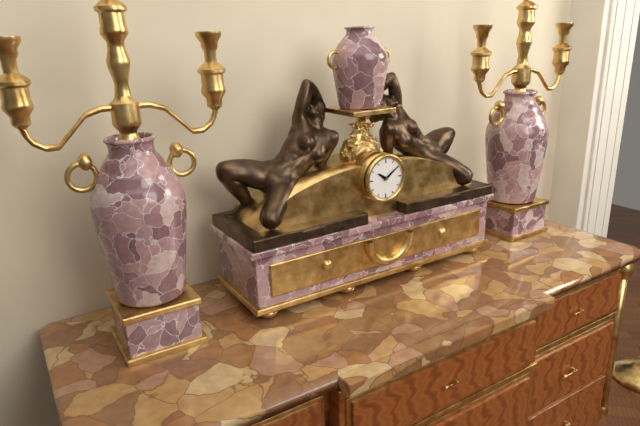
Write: {"hour": 10, "minute": 9}
